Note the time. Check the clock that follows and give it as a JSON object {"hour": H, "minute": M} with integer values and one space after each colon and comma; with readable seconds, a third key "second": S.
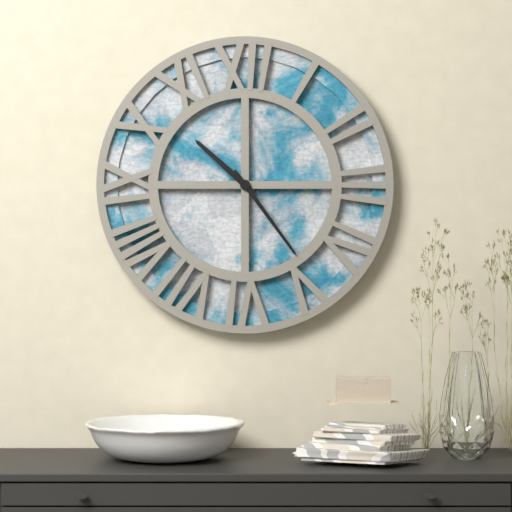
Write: {"hour": 10, "minute": 24}
